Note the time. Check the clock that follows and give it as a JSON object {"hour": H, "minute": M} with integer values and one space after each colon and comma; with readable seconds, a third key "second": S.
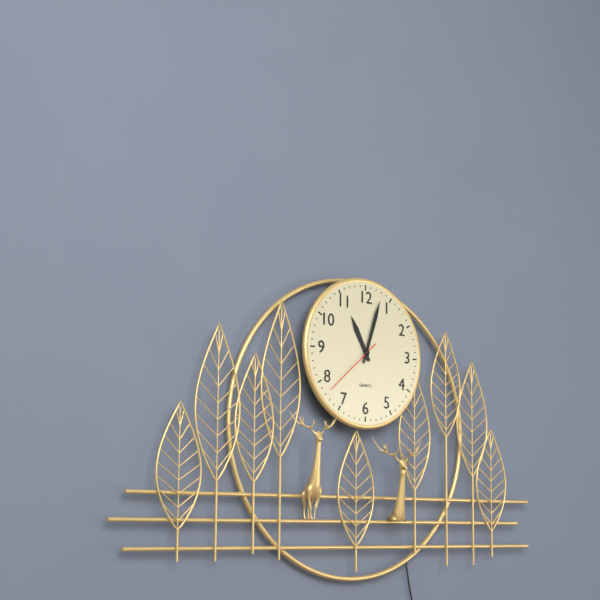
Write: {"hour": 11, "minute": 3, "second": 38}
